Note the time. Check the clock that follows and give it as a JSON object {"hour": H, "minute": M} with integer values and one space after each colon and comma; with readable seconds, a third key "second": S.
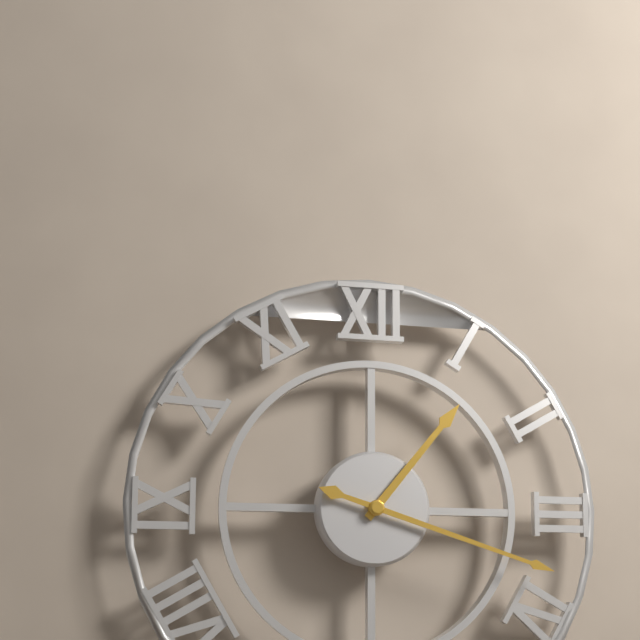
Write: {"hour": 1, "minute": 18}
